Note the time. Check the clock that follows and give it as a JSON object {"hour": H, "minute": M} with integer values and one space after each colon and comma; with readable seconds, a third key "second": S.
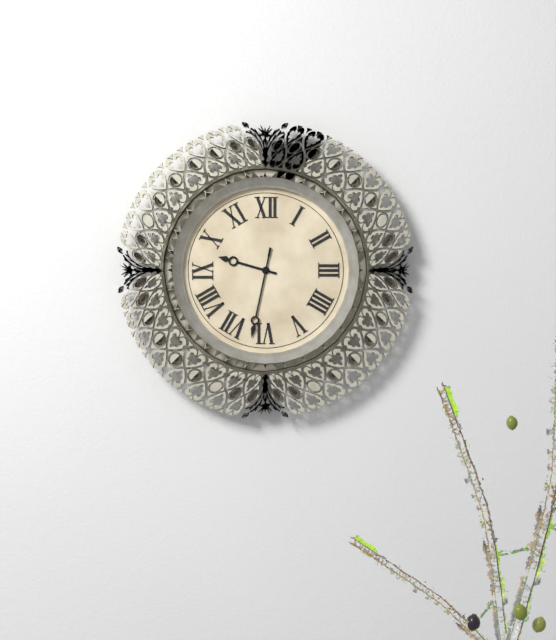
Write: {"hour": 9, "minute": 32}
